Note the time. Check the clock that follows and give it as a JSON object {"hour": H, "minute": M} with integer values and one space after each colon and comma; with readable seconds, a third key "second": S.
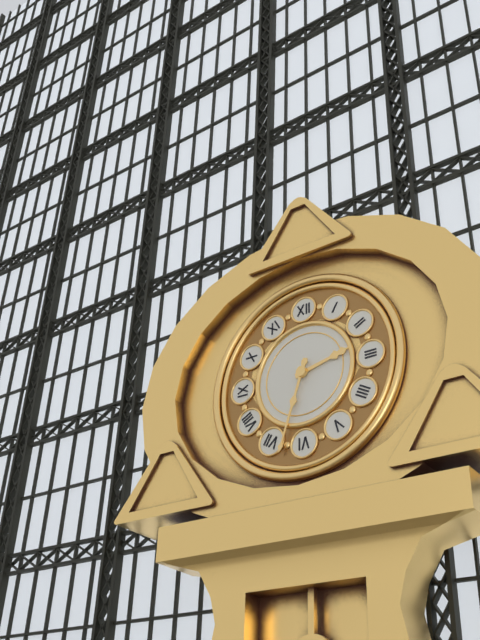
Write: {"hour": 2, "minute": 33}
